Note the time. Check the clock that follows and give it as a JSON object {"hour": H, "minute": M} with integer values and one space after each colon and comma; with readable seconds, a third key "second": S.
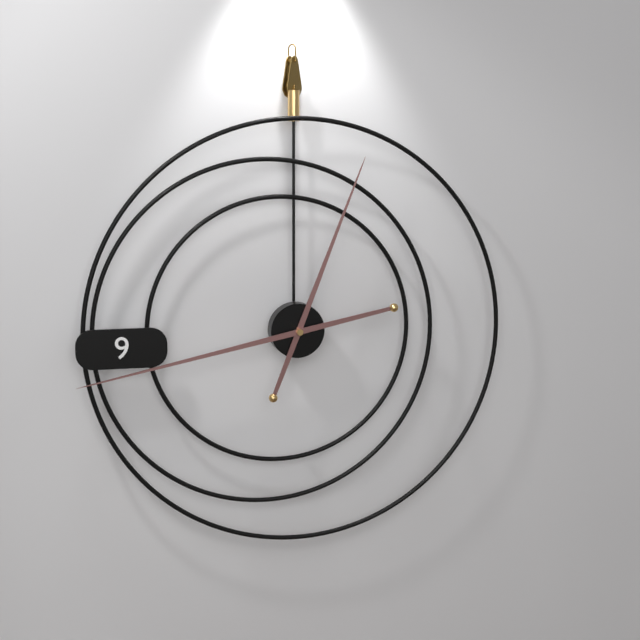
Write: {"hour": 12, "minute": 43}
